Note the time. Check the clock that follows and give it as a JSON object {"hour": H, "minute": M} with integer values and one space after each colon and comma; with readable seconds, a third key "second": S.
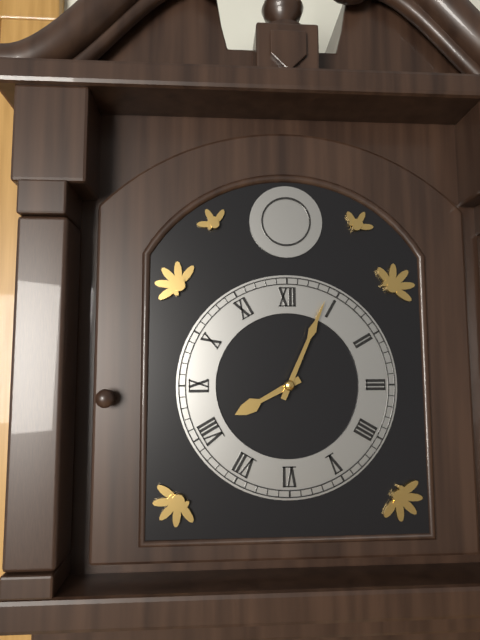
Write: {"hour": 8, "minute": 4}
